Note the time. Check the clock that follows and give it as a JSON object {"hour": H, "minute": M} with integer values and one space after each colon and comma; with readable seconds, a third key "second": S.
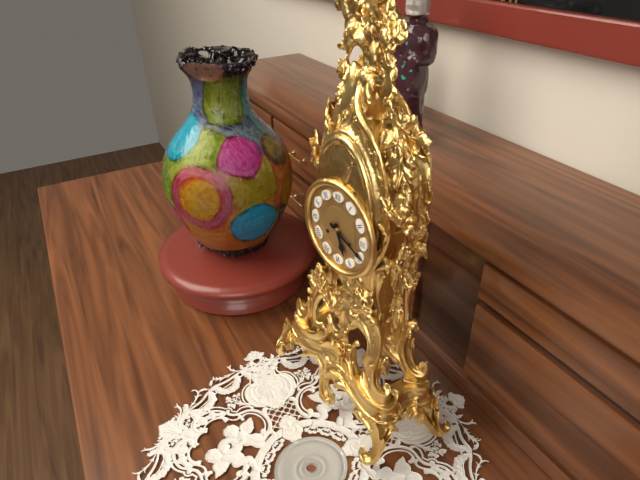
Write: {"hour": 5, "minute": 19}
